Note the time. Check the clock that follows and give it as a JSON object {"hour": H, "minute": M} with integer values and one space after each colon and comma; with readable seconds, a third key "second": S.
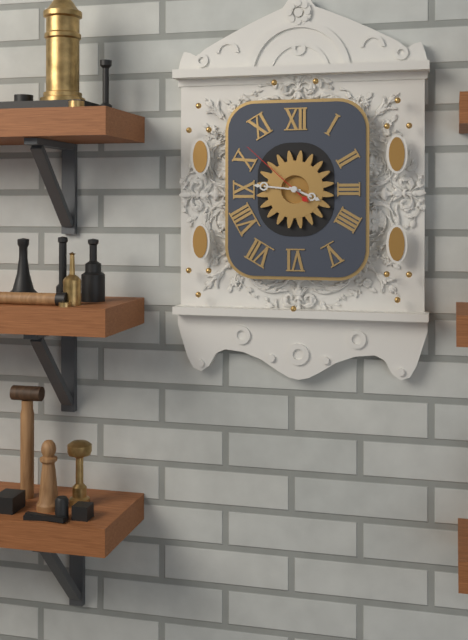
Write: {"hour": 3, "minute": 46, "second": 52}
